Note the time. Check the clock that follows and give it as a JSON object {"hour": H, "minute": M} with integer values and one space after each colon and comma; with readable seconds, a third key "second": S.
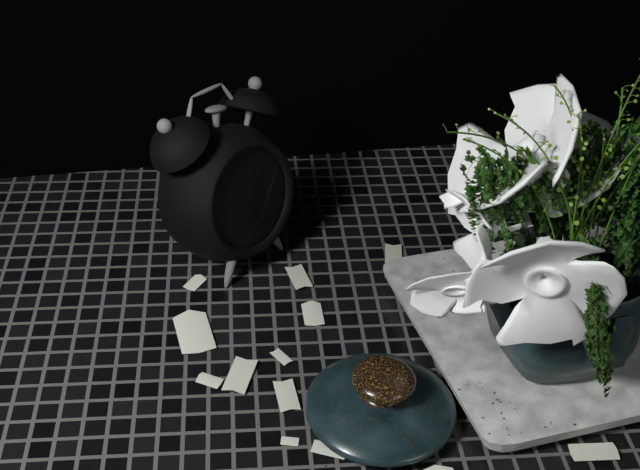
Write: {"hour": 5, "minute": 4}
